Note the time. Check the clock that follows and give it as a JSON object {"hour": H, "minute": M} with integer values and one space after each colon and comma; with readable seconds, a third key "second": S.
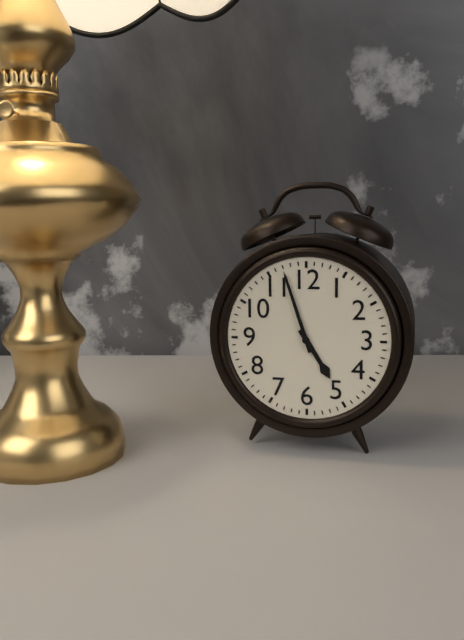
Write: {"hour": 4, "minute": 57}
